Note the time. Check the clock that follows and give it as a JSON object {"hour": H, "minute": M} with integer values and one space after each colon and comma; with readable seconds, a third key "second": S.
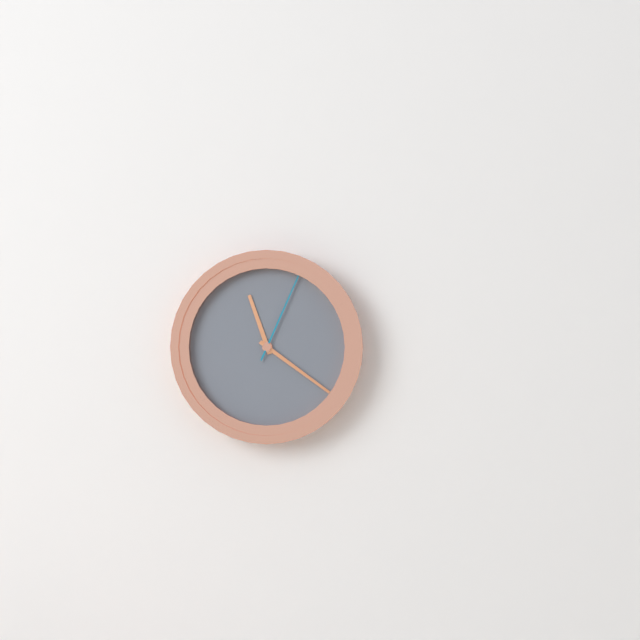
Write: {"hour": 11, "minute": 21, "second": 4}
